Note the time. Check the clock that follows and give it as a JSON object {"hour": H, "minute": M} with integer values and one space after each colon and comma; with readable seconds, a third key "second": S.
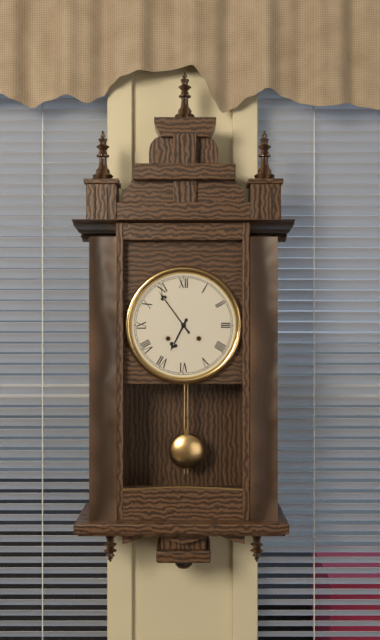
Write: {"hour": 6, "minute": 54}
